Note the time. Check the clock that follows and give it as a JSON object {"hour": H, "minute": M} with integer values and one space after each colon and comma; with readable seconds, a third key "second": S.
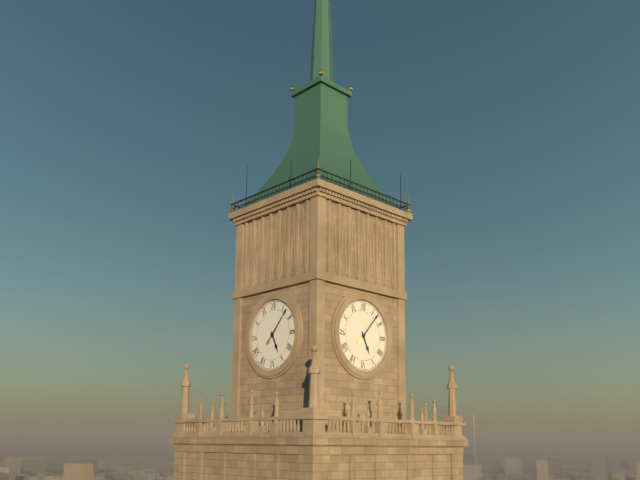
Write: {"hour": 5, "minute": 7}
